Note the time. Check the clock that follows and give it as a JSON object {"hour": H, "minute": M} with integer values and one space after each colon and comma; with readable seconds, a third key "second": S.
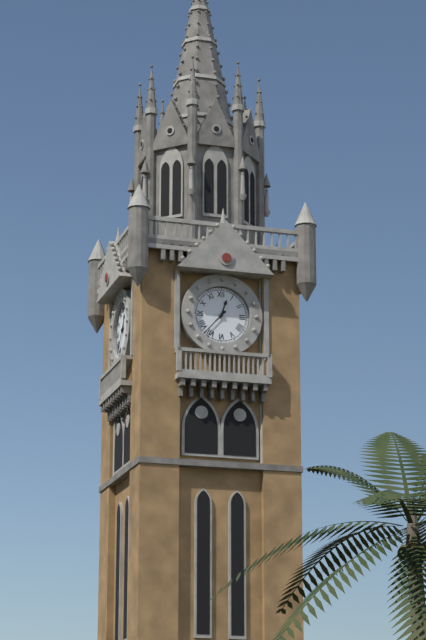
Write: {"hour": 12, "minute": 37}
